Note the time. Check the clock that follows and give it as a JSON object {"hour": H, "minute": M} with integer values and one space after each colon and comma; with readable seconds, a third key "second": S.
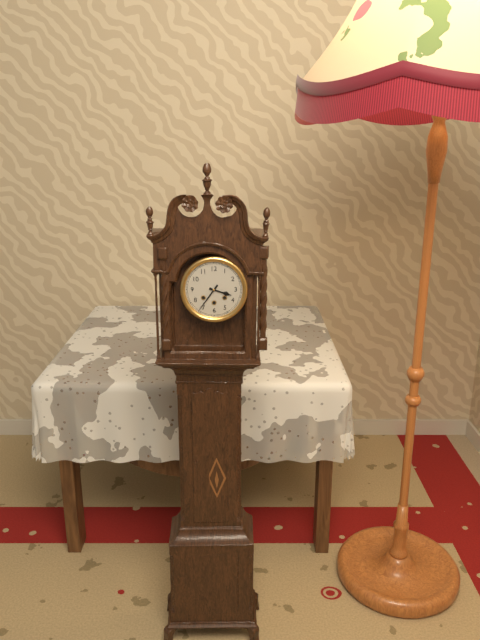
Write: {"hour": 3, "minute": 36}
